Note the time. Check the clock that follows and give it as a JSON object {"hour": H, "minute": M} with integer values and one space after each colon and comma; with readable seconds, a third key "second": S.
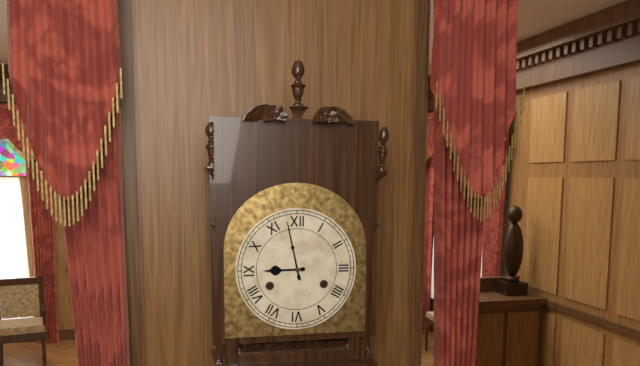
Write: {"hour": 8, "minute": 58}
